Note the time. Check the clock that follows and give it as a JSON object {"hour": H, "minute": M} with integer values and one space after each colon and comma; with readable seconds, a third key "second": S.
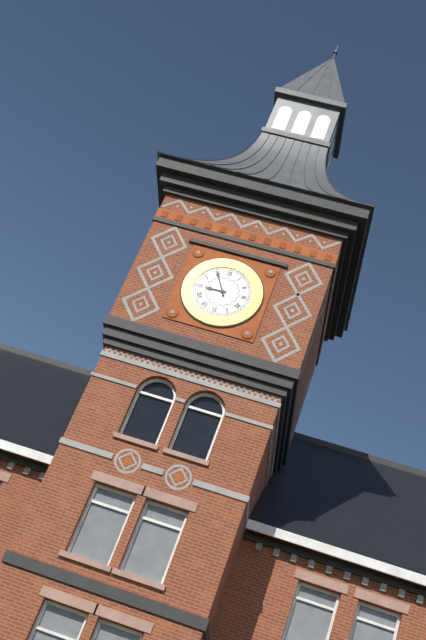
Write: {"hour": 8, "minute": 55}
